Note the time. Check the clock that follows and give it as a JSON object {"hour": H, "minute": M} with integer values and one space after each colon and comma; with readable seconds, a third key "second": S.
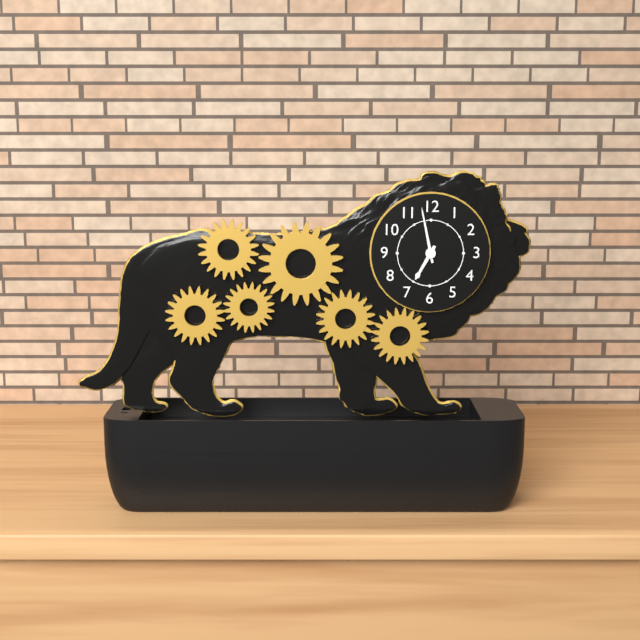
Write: {"hour": 6, "minute": 58}
